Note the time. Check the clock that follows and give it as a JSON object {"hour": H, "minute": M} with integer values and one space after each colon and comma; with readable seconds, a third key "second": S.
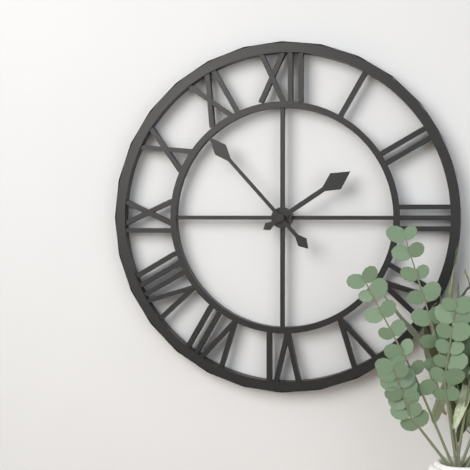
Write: {"hour": 1, "minute": 53}
